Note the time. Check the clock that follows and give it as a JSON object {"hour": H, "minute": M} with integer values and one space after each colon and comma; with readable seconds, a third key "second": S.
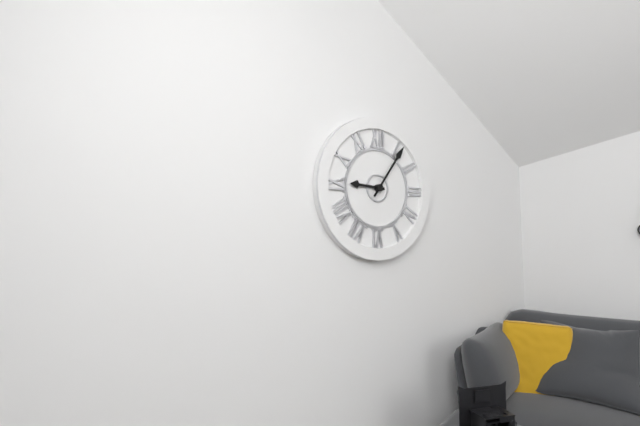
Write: {"hour": 9, "minute": 6}
